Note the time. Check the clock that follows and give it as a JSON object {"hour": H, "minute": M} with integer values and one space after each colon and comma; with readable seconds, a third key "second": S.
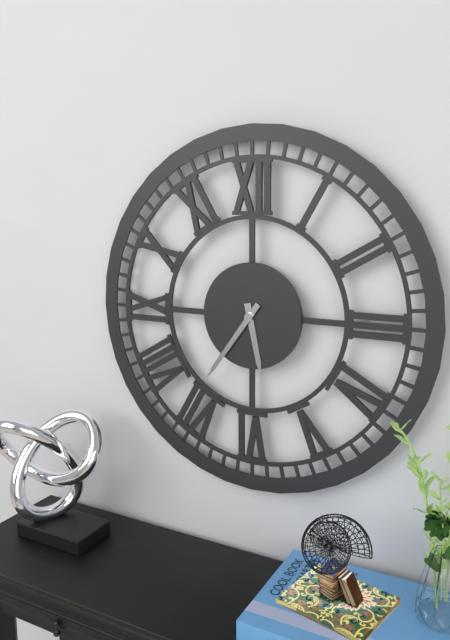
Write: {"hour": 5, "minute": 36}
